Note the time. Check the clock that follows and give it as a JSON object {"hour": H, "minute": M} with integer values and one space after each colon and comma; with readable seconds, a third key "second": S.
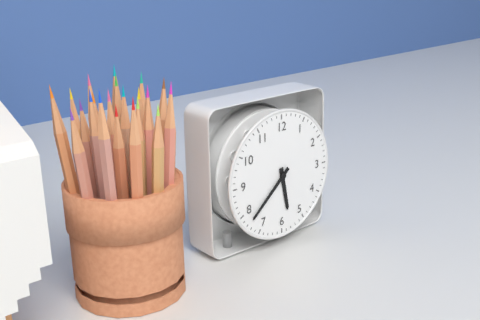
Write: {"hour": 5, "minute": 38}
